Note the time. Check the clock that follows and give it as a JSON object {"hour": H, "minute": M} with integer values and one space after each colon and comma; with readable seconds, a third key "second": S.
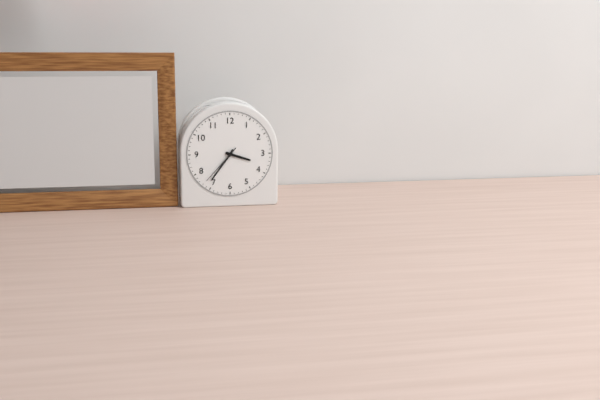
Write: {"hour": 3, "minute": 36}
